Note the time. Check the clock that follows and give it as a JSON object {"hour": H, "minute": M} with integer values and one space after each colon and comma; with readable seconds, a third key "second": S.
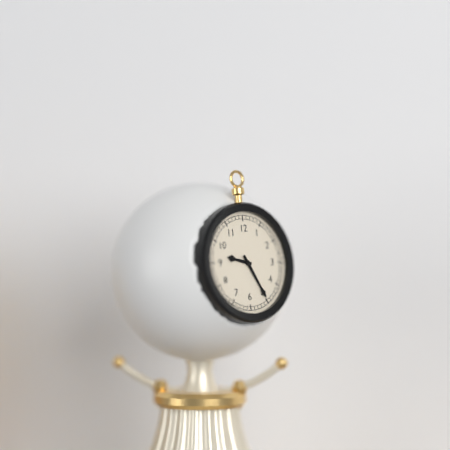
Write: {"hour": 9, "minute": 25}
